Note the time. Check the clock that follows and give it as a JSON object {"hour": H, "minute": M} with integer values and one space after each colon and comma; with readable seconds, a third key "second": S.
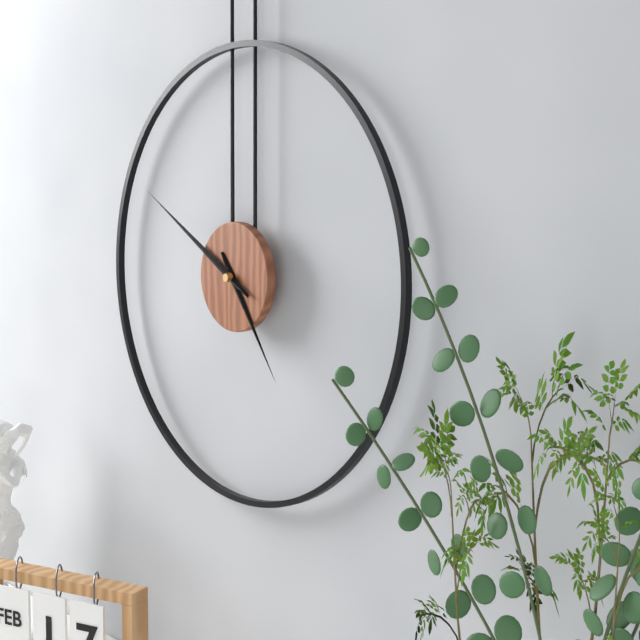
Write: {"hour": 4, "minute": 50}
